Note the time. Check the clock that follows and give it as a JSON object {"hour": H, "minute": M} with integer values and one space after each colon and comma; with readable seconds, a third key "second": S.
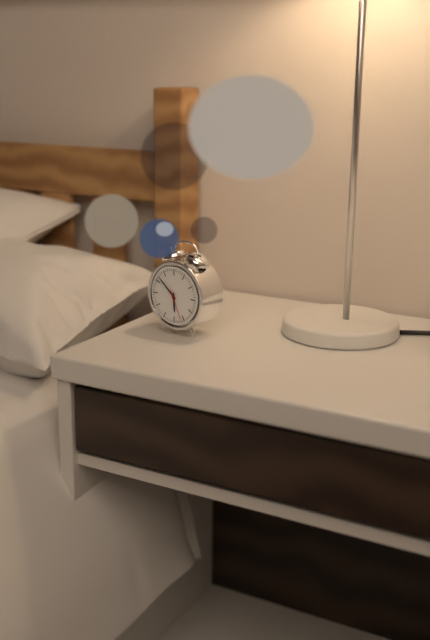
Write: {"hour": 5, "minute": 52}
